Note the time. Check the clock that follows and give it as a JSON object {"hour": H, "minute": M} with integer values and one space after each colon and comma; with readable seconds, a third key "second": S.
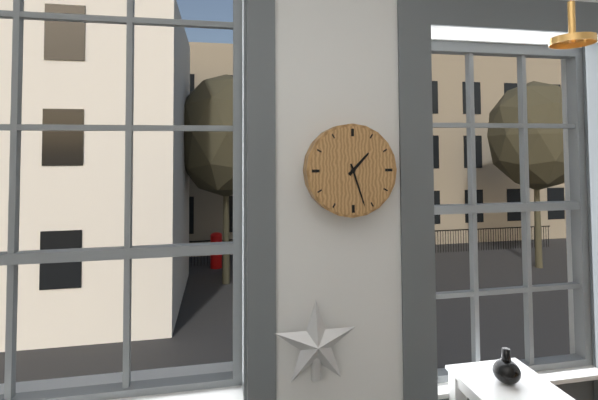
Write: {"hour": 1, "minute": 27}
